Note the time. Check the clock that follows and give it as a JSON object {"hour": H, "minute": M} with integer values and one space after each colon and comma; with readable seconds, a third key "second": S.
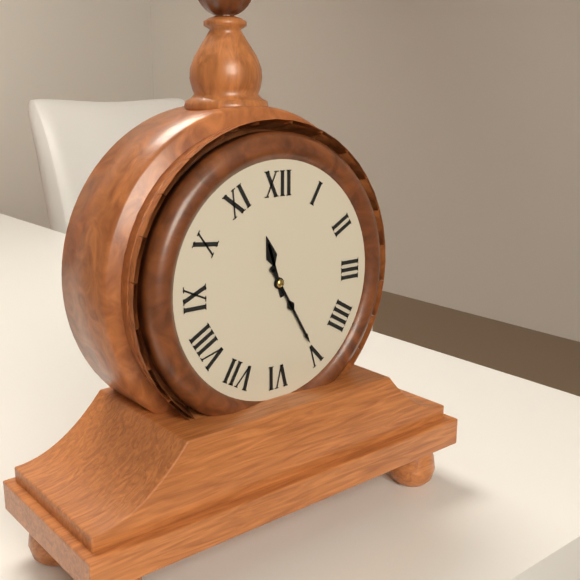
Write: {"hour": 11, "minute": 25}
